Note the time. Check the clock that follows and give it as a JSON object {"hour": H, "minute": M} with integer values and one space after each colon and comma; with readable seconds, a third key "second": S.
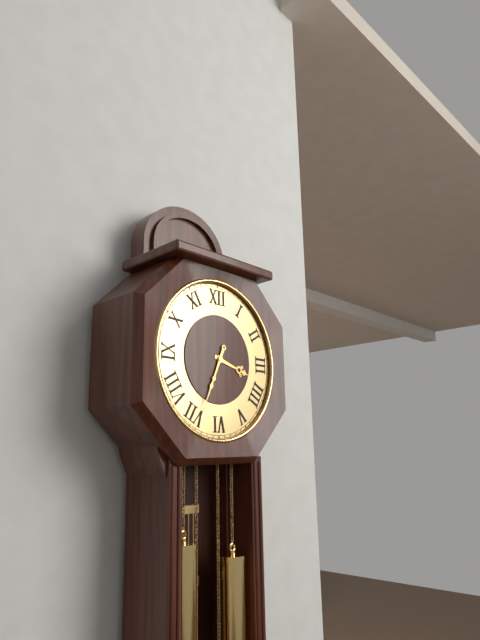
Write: {"hour": 3, "minute": 34}
